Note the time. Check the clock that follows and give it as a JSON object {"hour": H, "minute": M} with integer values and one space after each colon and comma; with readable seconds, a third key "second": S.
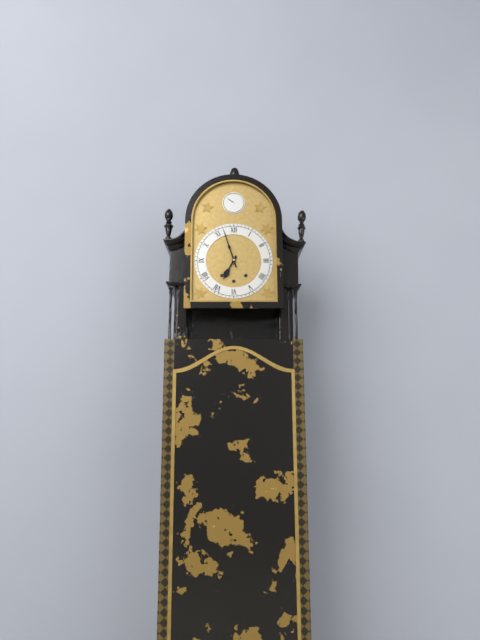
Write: {"hour": 6, "minute": 57}
